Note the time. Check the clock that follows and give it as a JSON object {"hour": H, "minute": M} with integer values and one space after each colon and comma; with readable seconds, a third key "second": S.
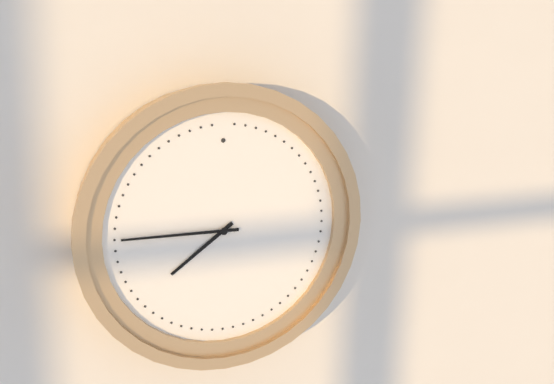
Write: {"hour": 7, "minute": 45}
